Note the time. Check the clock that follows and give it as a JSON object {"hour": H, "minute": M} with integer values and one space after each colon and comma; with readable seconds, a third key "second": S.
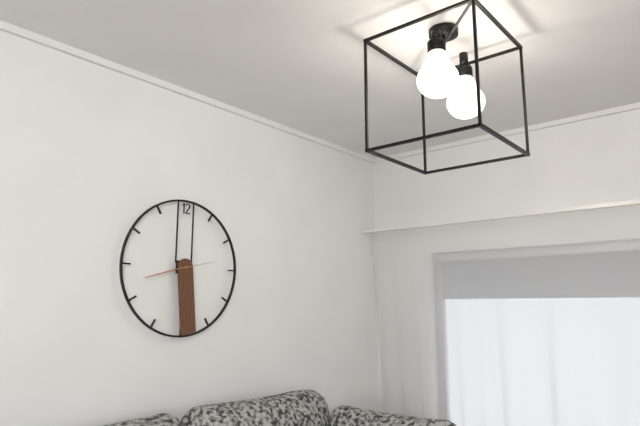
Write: {"hour": 8, "minute": 29}
